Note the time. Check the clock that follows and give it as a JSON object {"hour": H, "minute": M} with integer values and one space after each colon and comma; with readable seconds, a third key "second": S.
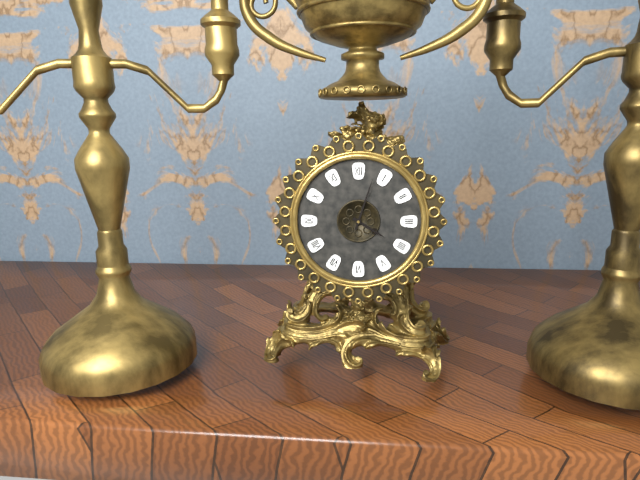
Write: {"hour": 4, "minute": 3}
